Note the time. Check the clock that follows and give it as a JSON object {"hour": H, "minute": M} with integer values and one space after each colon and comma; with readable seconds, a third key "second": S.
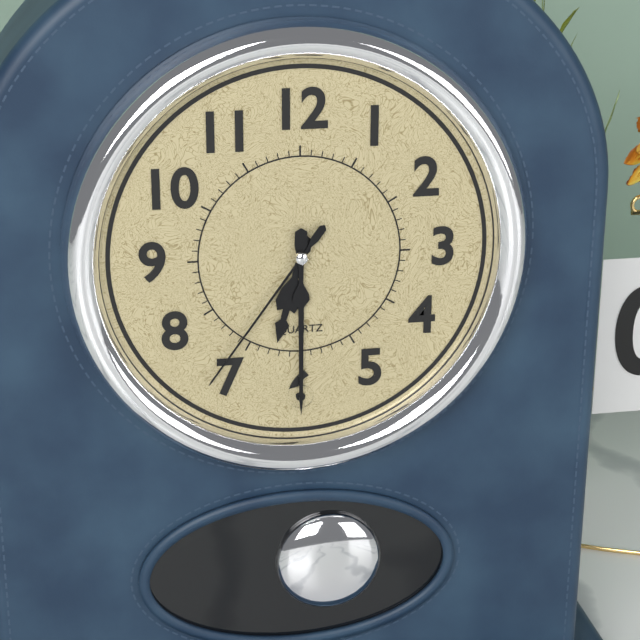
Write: {"hour": 6, "minute": 30, "second": 36}
